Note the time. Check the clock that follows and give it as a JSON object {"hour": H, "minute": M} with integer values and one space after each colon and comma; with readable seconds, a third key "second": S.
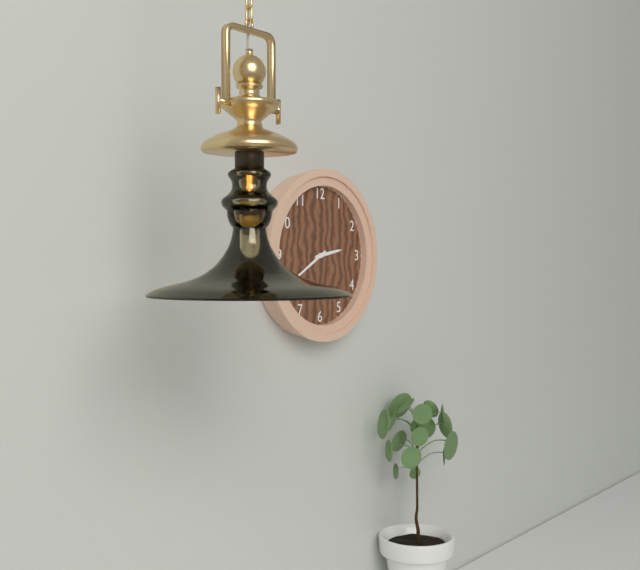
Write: {"hour": 2, "minute": 40}
